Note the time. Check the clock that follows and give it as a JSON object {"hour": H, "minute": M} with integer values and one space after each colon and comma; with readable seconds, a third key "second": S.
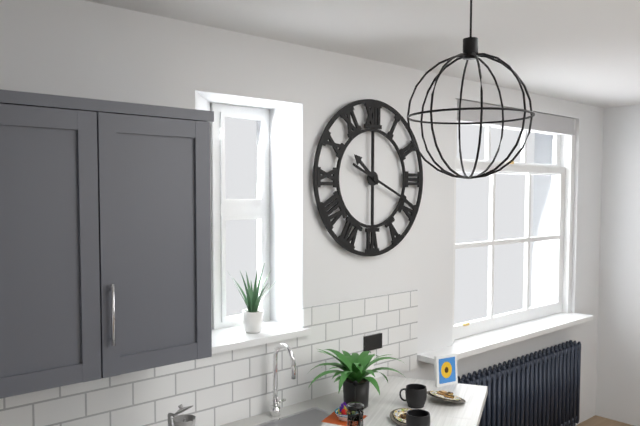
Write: {"hour": 10, "minute": 19}
